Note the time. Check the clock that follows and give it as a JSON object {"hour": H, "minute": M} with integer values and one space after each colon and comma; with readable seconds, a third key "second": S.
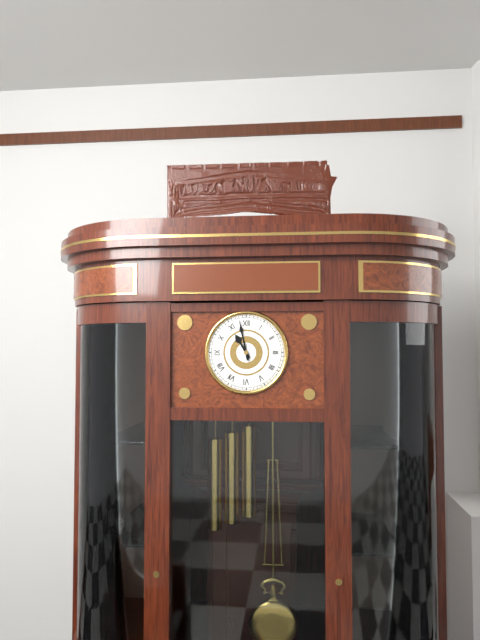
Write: {"hour": 10, "minute": 58}
